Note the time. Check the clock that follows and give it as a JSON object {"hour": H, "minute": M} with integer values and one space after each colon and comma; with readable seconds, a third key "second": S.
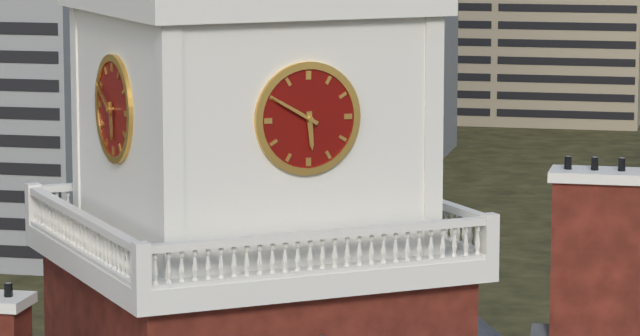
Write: {"hour": 5, "minute": 50}
